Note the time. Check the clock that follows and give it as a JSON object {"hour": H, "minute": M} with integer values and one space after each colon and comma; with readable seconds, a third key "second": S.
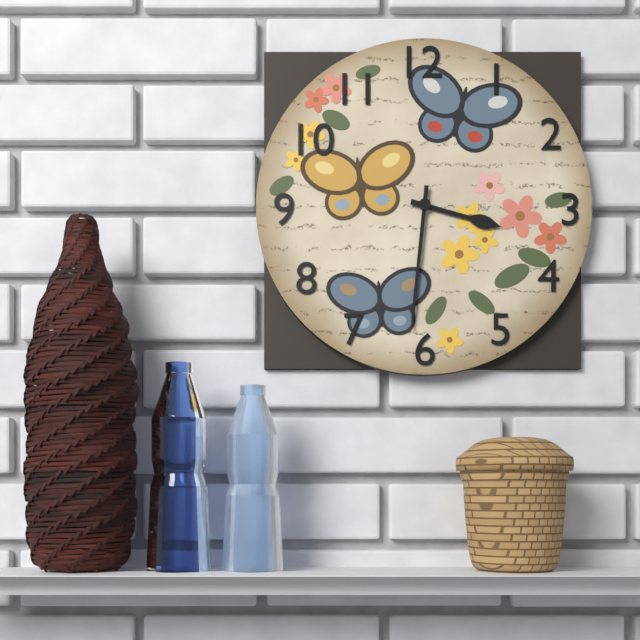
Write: {"hour": 3, "minute": 31}
